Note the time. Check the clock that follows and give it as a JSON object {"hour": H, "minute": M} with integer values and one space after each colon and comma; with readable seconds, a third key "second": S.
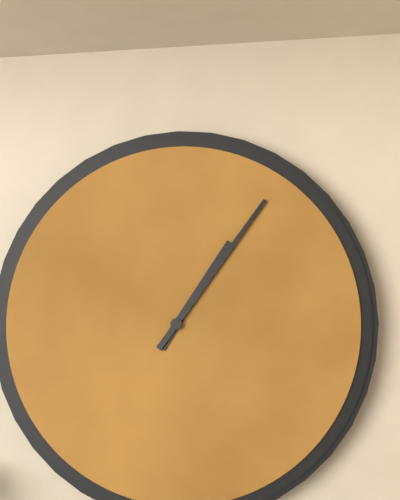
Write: {"hour": 1, "minute": 6}
